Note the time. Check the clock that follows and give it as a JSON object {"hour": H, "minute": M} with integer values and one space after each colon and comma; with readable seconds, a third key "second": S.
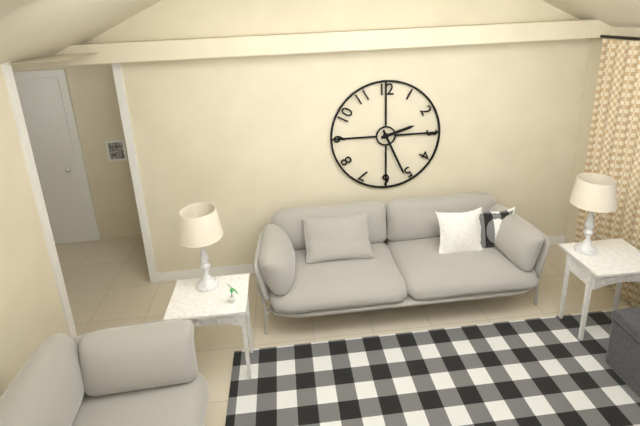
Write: {"hour": 2, "minute": 26}
